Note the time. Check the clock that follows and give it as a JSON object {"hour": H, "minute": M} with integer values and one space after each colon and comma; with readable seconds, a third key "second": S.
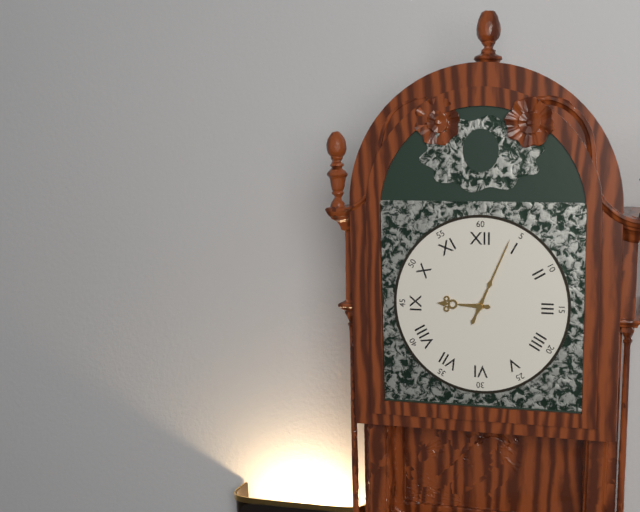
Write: {"hour": 9, "minute": 4}
